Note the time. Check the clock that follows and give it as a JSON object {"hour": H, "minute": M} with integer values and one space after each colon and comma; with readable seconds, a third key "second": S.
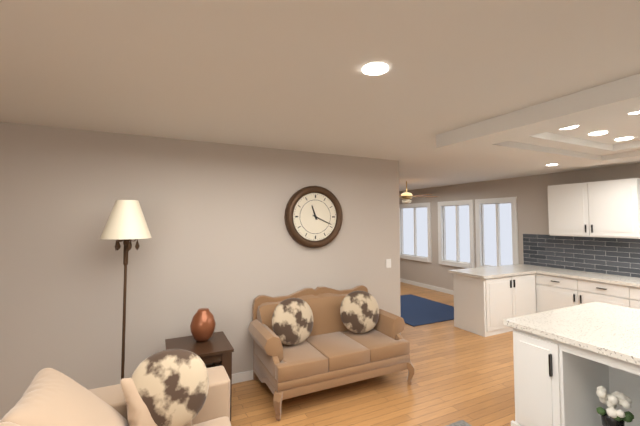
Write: {"hour": 11, "minute": 19}
